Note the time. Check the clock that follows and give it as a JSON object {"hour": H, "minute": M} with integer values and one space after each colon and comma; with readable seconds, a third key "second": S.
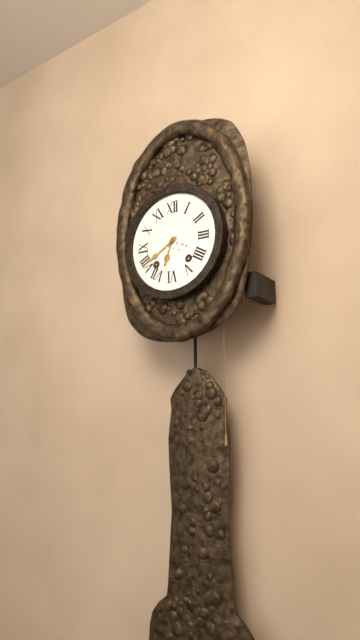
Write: {"hour": 6, "minute": 40}
